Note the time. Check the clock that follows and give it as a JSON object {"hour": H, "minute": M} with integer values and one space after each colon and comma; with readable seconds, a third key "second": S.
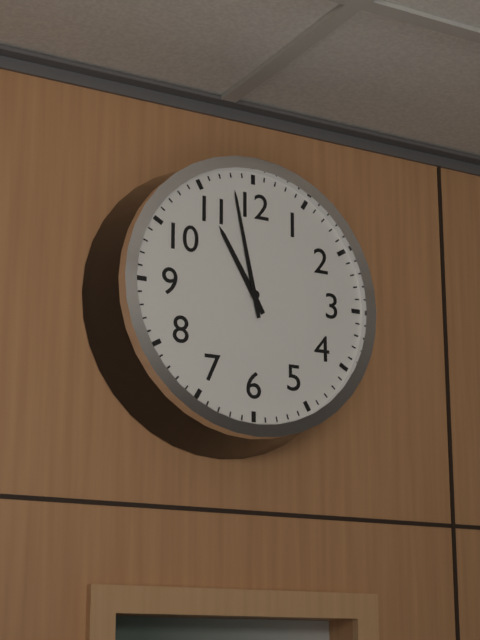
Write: {"hour": 10, "minute": 58}
